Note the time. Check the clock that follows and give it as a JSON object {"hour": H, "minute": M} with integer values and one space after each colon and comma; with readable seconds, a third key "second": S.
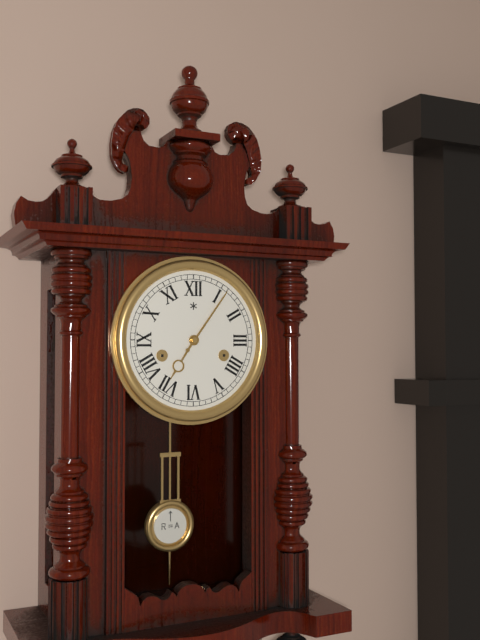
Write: {"hour": 7, "minute": 6}
